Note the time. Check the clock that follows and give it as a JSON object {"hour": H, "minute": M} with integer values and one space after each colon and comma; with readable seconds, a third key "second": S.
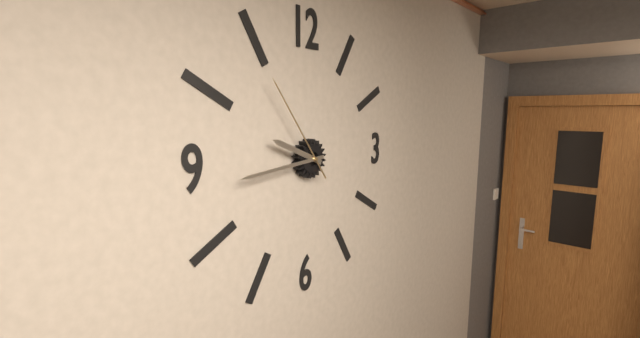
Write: {"hour": 9, "minute": 44, "second": 54}
